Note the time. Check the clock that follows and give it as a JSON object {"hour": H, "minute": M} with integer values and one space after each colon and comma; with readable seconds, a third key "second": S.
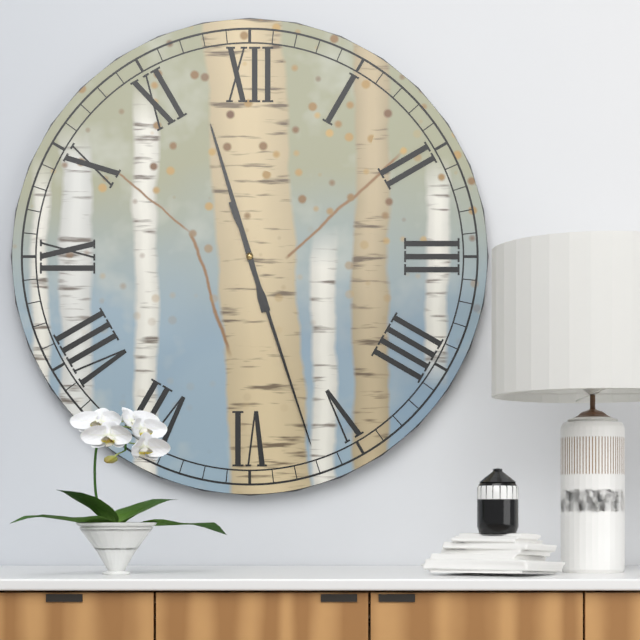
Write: {"hour": 11, "minute": 27}
